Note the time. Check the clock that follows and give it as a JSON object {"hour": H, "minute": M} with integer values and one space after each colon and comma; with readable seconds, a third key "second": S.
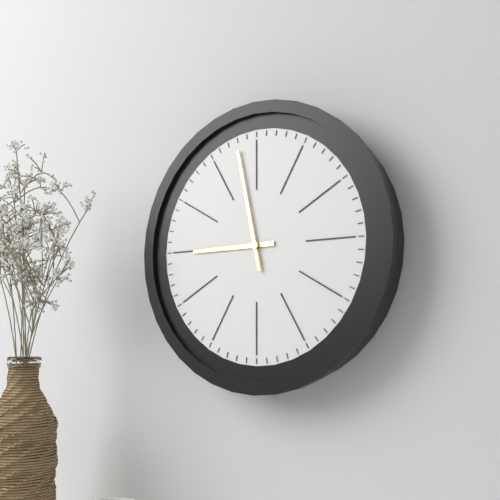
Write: {"hour": 8, "minute": 58}
